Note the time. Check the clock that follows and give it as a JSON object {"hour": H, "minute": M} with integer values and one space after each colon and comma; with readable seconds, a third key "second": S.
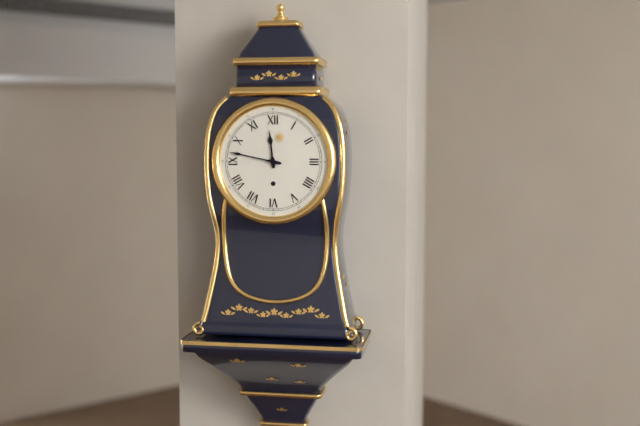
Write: {"hour": 11, "minute": 47}
